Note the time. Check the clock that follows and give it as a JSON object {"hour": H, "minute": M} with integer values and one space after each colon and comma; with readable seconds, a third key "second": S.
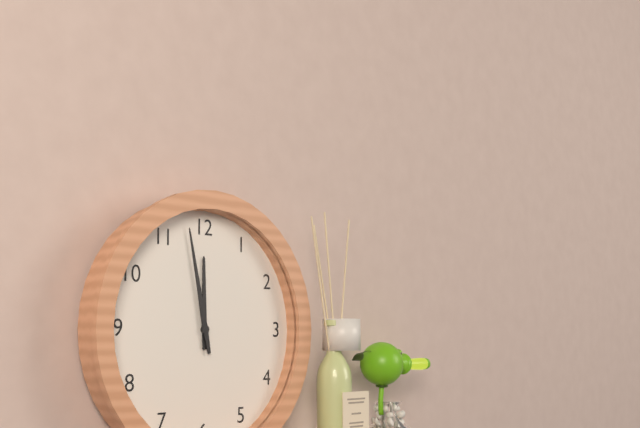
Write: {"hour": 11, "minute": 58}
